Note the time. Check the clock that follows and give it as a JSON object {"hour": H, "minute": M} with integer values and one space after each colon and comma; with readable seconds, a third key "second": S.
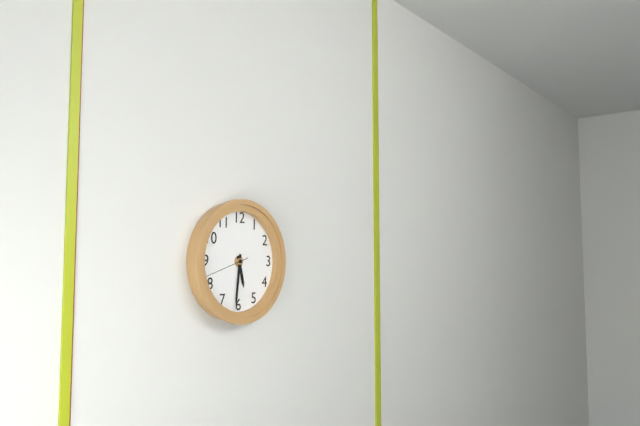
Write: {"hour": 5, "minute": 31}
